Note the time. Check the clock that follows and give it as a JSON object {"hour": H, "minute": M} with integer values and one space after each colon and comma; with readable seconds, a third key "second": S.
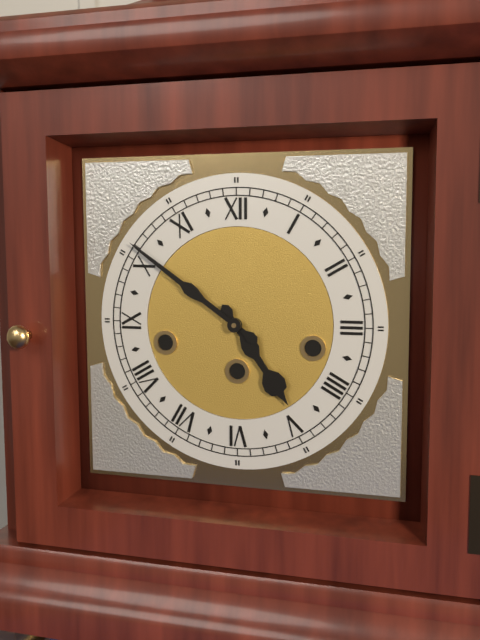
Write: {"hour": 4, "minute": 51}
